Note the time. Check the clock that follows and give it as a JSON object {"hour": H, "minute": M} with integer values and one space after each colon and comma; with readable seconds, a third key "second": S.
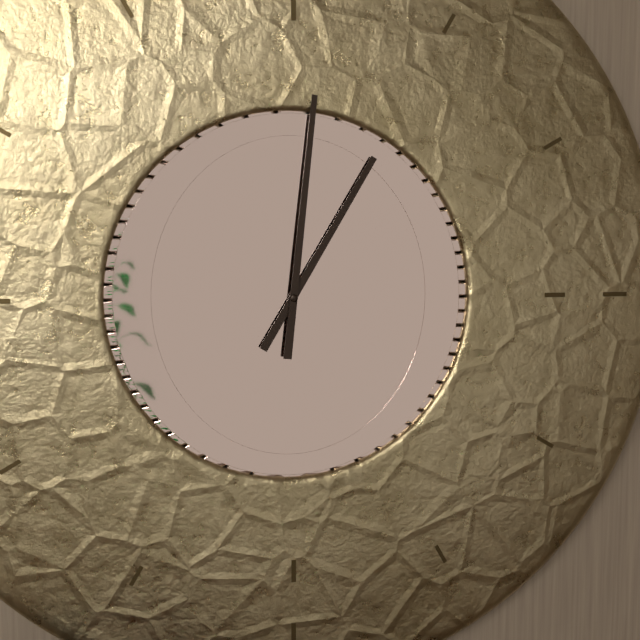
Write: {"hour": 1, "minute": 1}
